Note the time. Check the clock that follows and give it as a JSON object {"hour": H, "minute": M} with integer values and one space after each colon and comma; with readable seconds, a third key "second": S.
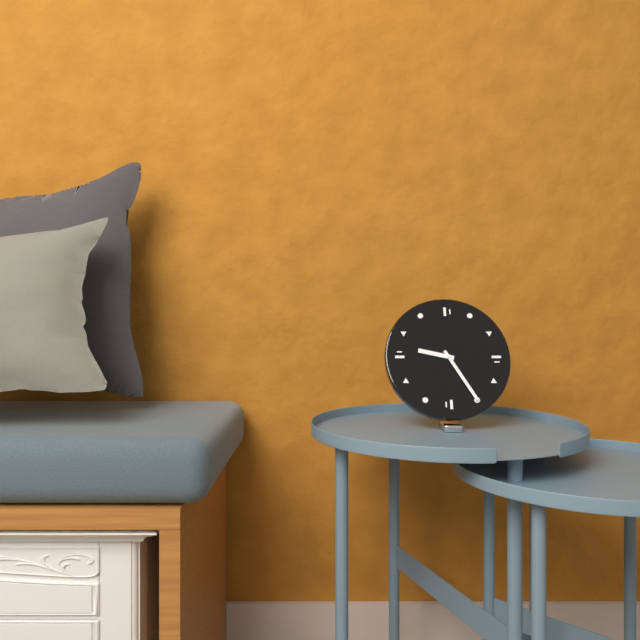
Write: {"hour": 9, "minute": 25}
